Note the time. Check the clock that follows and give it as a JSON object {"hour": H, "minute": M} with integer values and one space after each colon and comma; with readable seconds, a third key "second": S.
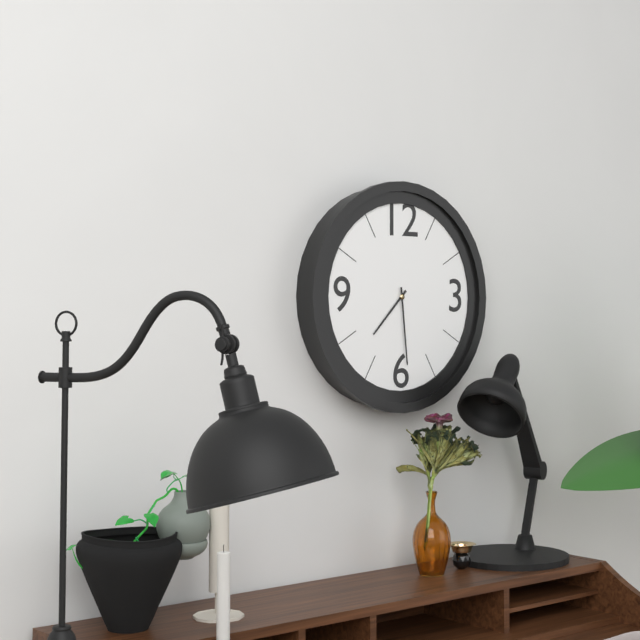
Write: {"hour": 7, "minute": 29}
